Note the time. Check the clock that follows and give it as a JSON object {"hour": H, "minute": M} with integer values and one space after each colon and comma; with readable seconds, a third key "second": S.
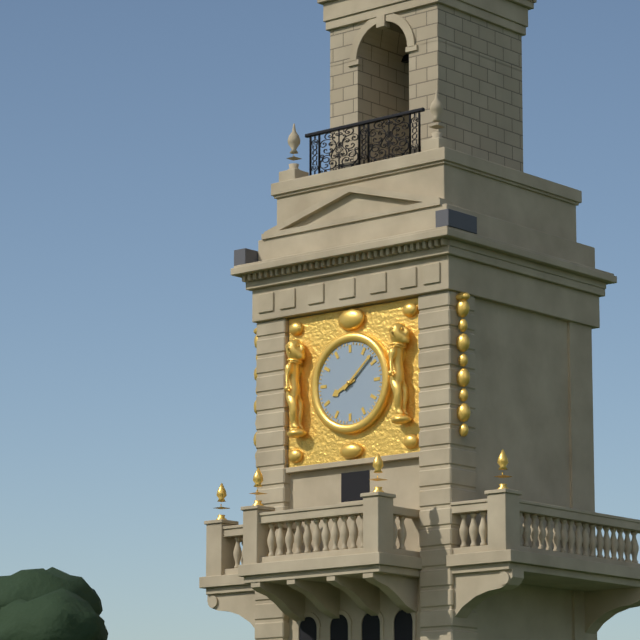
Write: {"hour": 8, "minute": 8}
